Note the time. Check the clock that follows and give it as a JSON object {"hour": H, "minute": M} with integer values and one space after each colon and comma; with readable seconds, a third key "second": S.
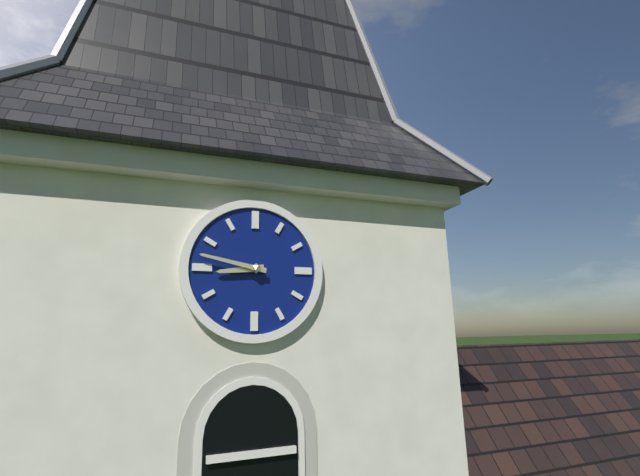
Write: {"hour": 8, "minute": 47}
